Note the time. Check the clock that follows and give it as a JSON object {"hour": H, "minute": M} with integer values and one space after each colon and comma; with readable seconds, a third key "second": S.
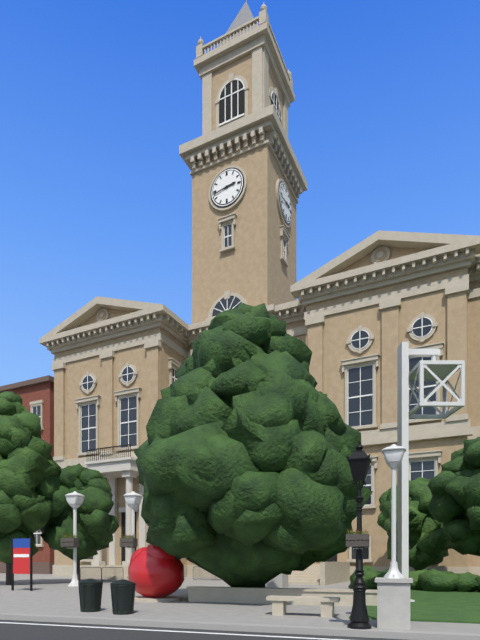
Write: {"hour": 2, "minute": 43}
